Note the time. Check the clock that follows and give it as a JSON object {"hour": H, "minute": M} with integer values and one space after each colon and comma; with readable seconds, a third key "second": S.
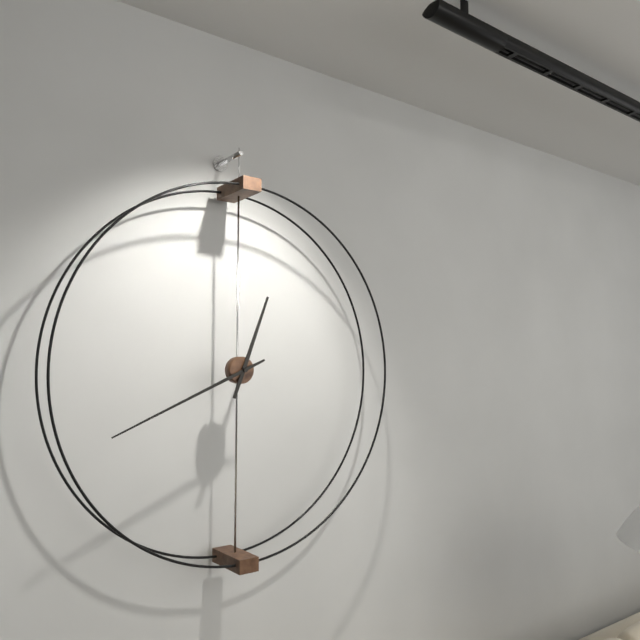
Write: {"hour": 12, "minute": 41}
